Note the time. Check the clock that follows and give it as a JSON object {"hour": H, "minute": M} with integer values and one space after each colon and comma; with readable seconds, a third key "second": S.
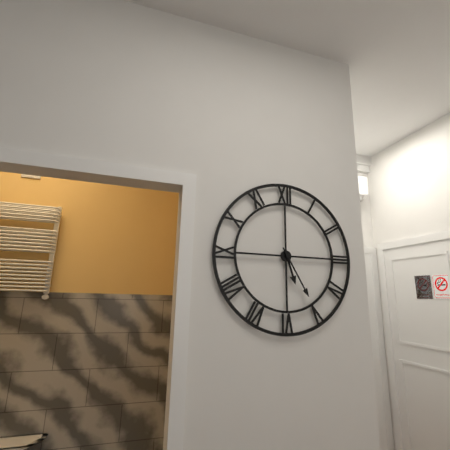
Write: {"hour": 5, "minute": 25}
